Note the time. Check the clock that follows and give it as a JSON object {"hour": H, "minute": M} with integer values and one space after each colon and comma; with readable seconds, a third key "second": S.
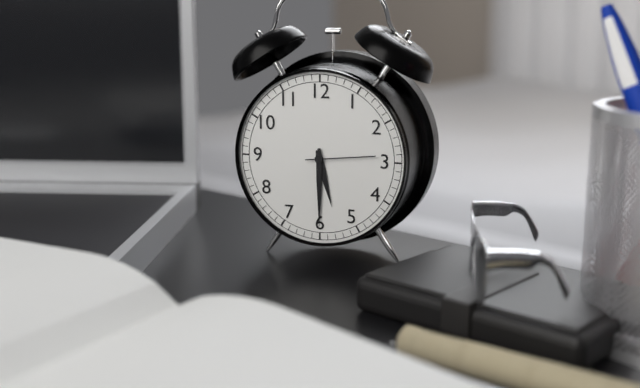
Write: {"hour": 5, "minute": 30, "second": 14}
